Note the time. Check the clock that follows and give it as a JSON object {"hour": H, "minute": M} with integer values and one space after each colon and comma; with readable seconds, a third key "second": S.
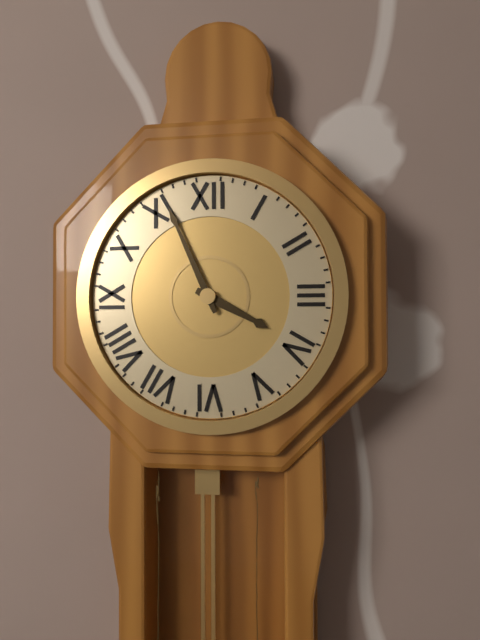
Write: {"hour": 3, "minute": 56}
